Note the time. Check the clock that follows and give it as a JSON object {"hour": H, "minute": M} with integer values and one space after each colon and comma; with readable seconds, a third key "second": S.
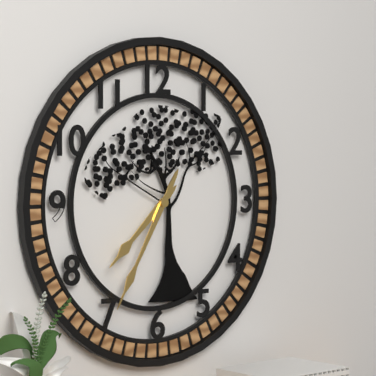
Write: {"hour": 7, "minute": 35}
